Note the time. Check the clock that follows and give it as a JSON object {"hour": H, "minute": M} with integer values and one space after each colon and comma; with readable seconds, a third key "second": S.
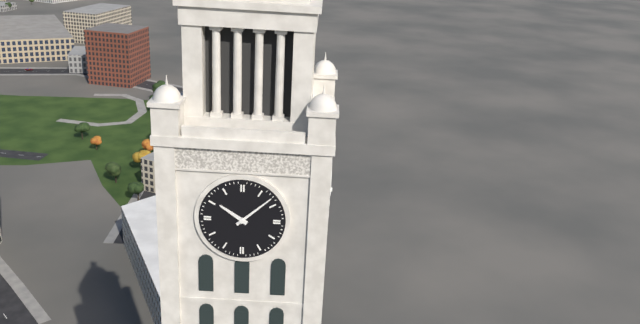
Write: {"hour": 10, "minute": 8}
